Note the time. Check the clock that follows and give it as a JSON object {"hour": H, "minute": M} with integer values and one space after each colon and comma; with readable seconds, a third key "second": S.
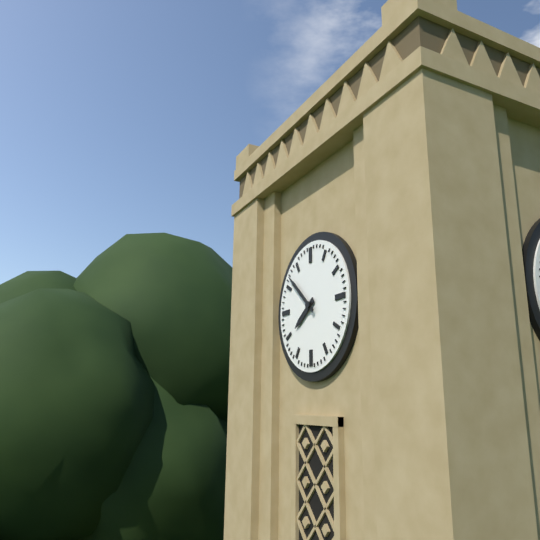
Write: {"hour": 7, "minute": 52}
